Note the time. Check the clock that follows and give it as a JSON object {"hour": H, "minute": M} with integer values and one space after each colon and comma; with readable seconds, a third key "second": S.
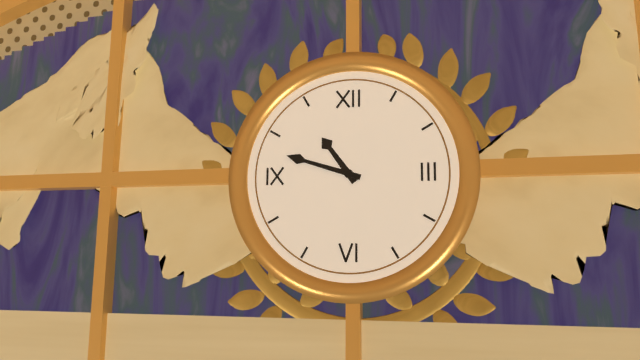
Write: {"hour": 10, "minute": 48}
